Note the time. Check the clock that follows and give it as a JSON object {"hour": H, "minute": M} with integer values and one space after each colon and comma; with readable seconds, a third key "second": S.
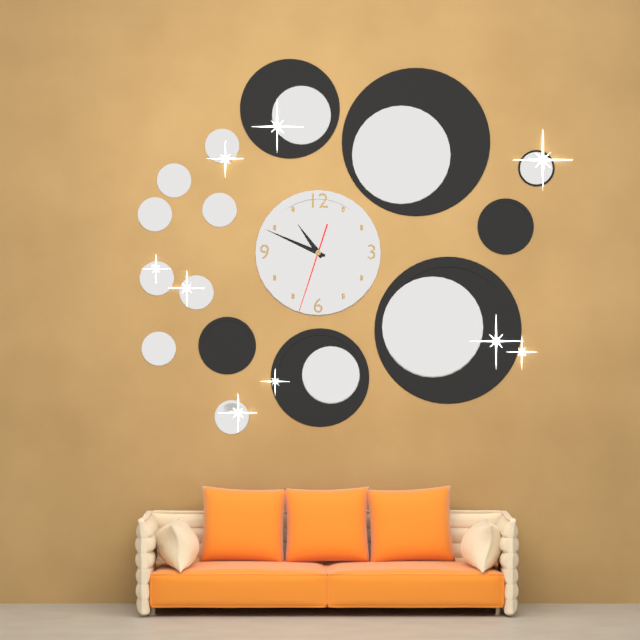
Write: {"hour": 10, "minute": 49, "second": 33}
